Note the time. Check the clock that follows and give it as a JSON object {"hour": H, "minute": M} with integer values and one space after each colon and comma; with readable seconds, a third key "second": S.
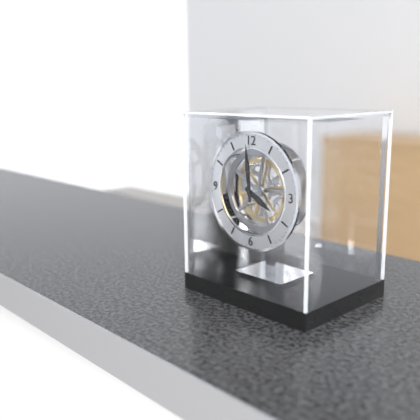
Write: {"hour": 3, "minute": 59}
